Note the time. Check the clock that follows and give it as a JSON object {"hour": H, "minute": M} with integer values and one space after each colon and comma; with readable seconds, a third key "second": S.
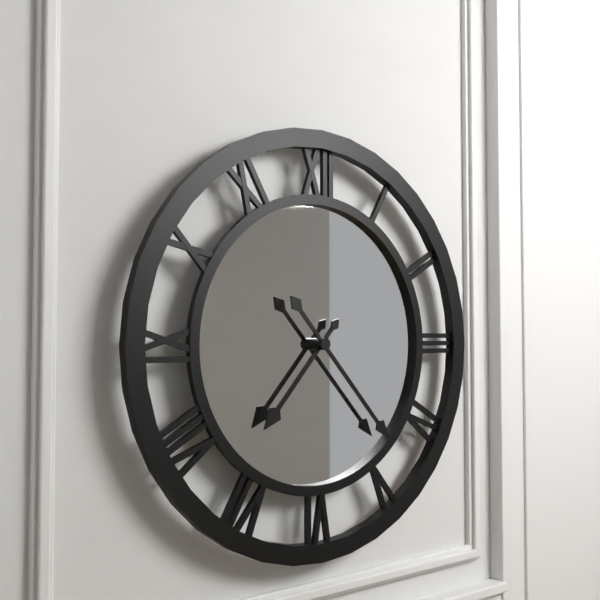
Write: {"hour": 7, "minute": 23}
